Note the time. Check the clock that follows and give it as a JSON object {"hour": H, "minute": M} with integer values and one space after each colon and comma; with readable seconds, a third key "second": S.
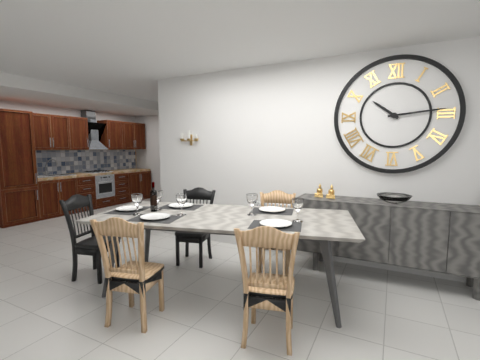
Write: {"hour": 10, "minute": 14}
